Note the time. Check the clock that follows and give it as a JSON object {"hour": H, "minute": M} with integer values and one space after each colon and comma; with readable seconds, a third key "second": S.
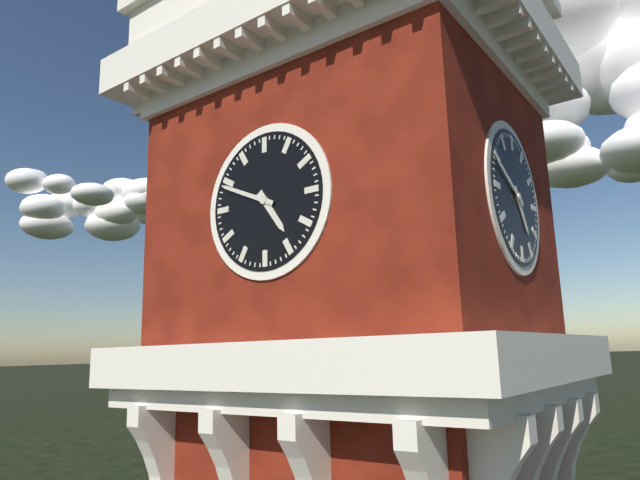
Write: {"hour": 4, "minute": 49}
